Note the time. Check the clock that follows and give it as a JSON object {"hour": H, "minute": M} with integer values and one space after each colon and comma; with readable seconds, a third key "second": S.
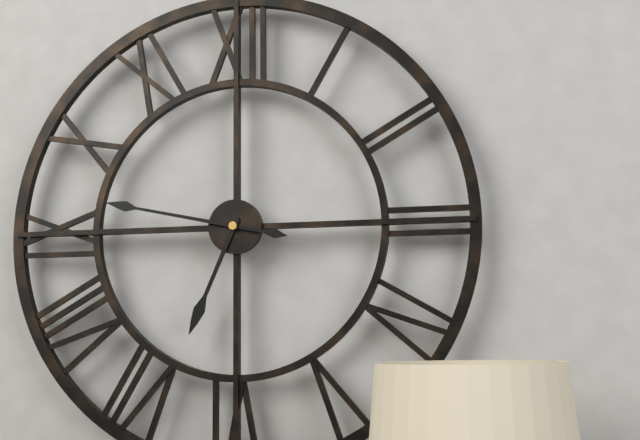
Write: {"hour": 6, "minute": 47}
